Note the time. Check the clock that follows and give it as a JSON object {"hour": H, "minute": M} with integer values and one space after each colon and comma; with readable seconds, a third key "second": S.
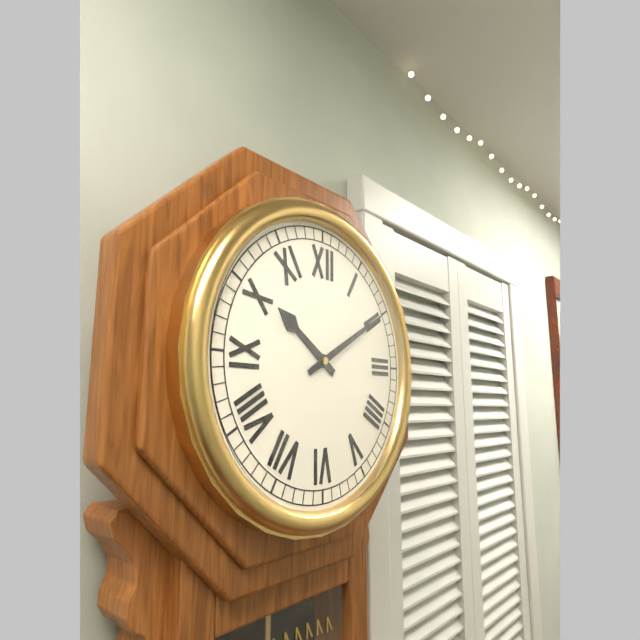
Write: {"hour": 10, "minute": 10}
